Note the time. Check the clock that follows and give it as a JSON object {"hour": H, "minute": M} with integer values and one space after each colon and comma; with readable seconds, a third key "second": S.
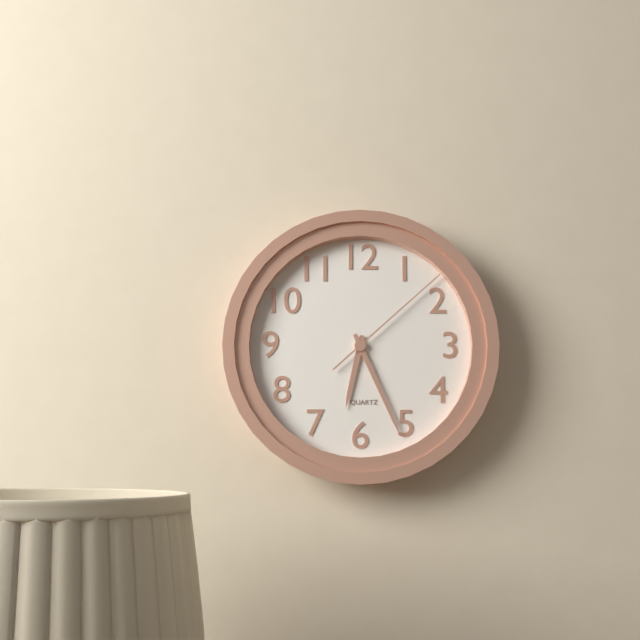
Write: {"hour": 6, "minute": 26, "second": 8}
